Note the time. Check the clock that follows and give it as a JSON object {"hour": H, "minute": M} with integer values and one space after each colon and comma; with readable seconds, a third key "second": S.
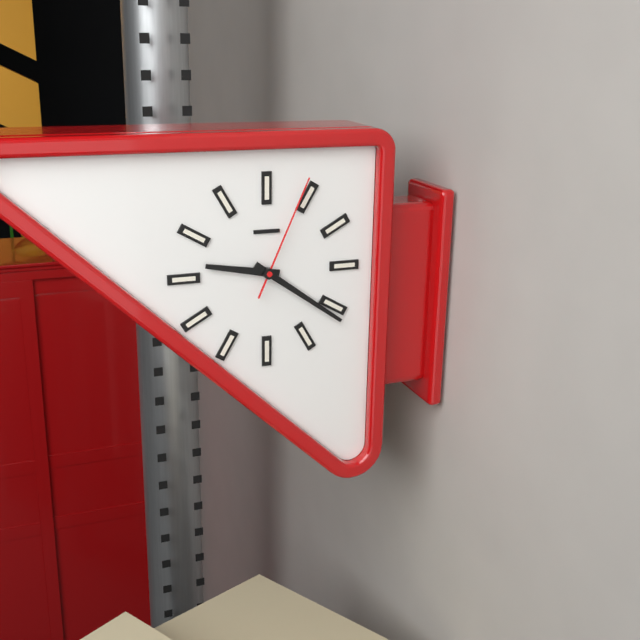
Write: {"hour": 9, "minute": 21, "second": 4}
